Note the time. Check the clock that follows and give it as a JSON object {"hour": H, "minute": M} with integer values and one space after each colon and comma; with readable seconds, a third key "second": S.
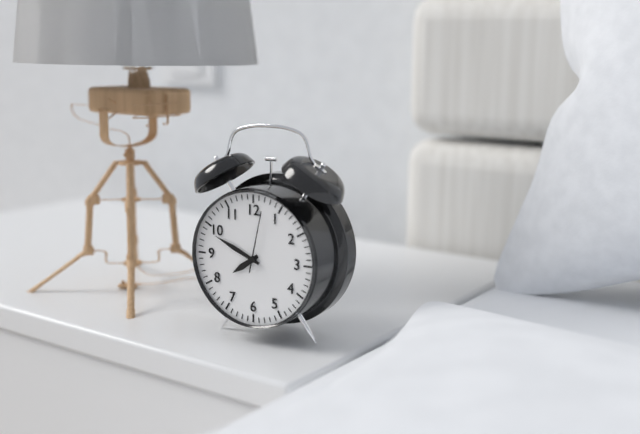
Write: {"hour": 7, "minute": 49, "second": 2}
